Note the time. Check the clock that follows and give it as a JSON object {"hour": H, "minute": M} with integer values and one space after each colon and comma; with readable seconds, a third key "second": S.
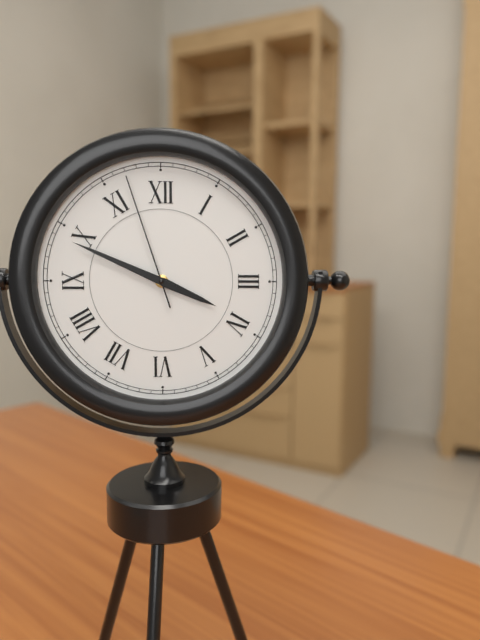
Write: {"hour": 3, "minute": 49, "second": 57}
